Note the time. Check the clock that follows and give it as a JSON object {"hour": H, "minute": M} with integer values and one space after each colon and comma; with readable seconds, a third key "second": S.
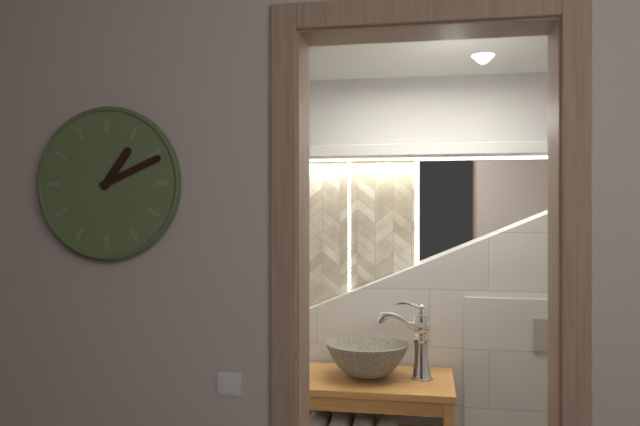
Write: {"hour": 1, "minute": 11}
